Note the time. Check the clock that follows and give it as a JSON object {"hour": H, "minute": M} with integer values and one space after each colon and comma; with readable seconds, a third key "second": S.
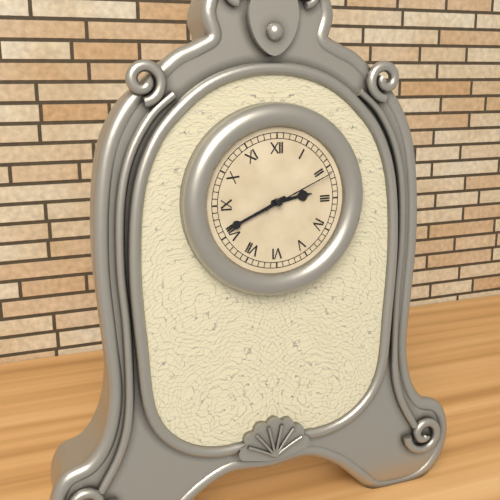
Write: {"hour": 2, "minute": 41, "second": 11}
